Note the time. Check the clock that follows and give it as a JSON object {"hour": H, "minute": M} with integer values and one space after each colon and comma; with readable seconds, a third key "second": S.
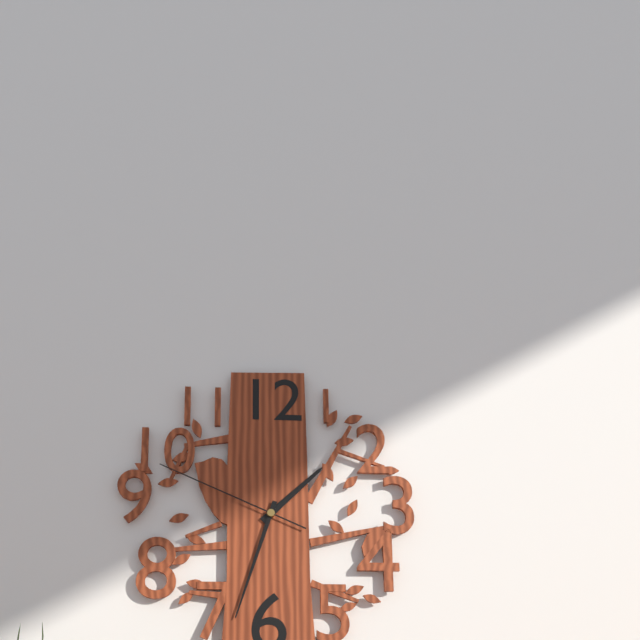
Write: {"hour": 1, "minute": 33, "second": 49}
